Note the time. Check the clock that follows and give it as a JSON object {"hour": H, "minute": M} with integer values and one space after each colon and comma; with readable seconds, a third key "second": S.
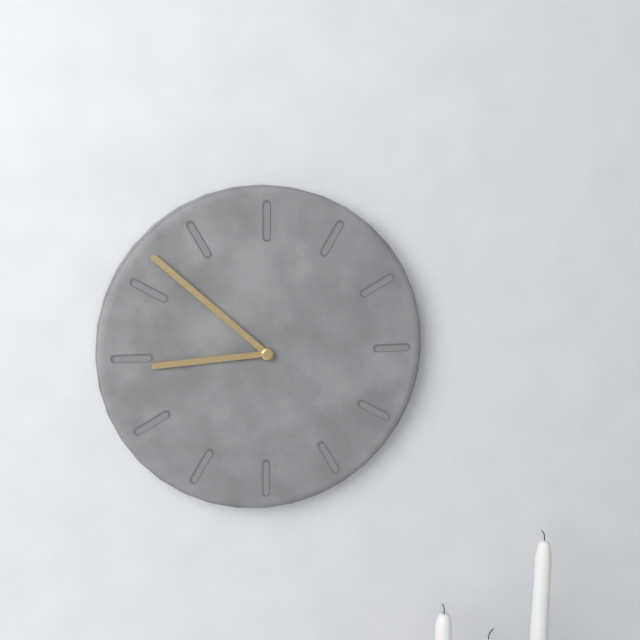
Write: {"hour": 8, "minute": 52}
